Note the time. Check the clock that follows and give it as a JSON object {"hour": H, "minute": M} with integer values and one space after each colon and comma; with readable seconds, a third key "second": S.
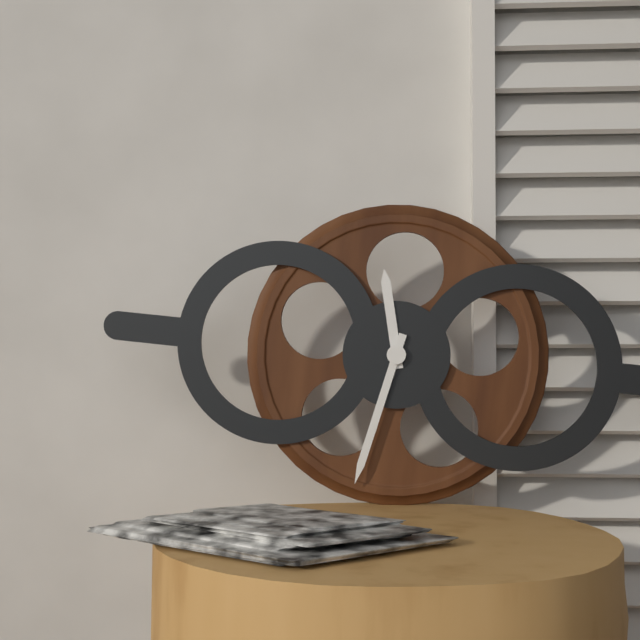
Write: {"hour": 11, "minute": 32}
